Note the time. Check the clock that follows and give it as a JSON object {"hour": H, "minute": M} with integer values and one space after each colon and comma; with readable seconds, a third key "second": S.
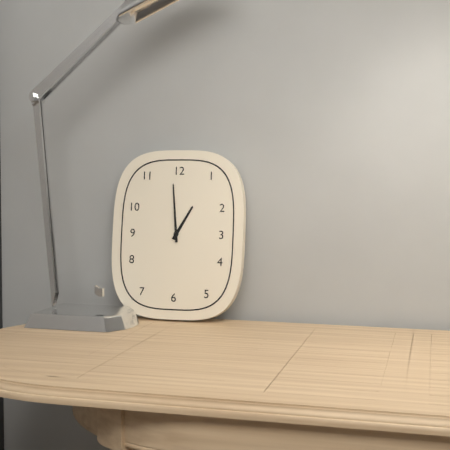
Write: {"hour": 12, "minute": 59}
